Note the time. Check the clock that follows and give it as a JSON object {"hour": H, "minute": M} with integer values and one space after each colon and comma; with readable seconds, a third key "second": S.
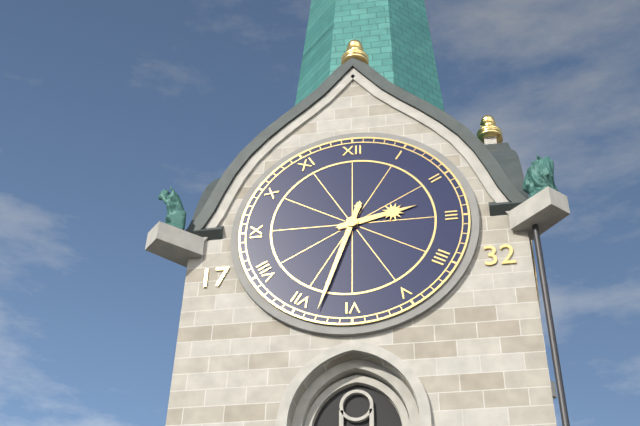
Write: {"hour": 2, "minute": 33}
